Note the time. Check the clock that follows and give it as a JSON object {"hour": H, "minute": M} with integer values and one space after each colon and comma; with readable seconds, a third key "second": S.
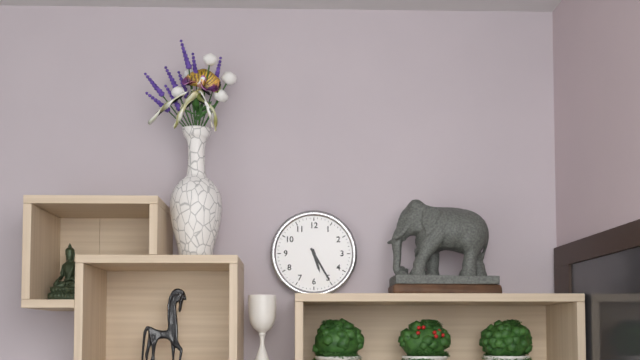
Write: {"hour": 5, "minute": 25}
